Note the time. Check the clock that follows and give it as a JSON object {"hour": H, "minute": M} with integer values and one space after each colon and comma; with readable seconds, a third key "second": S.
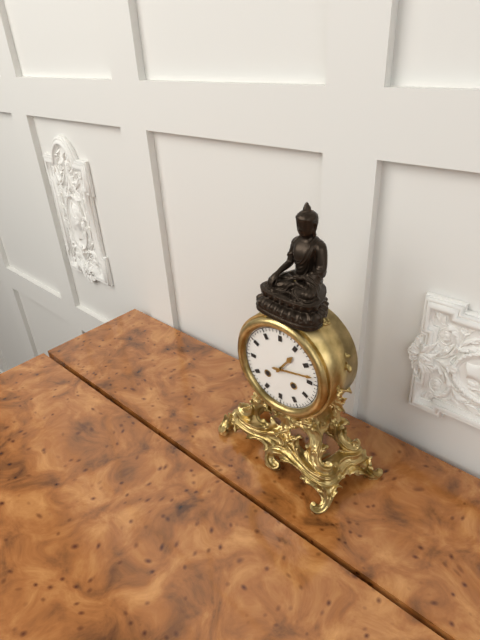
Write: {"hour": 1, "minute": 13}
